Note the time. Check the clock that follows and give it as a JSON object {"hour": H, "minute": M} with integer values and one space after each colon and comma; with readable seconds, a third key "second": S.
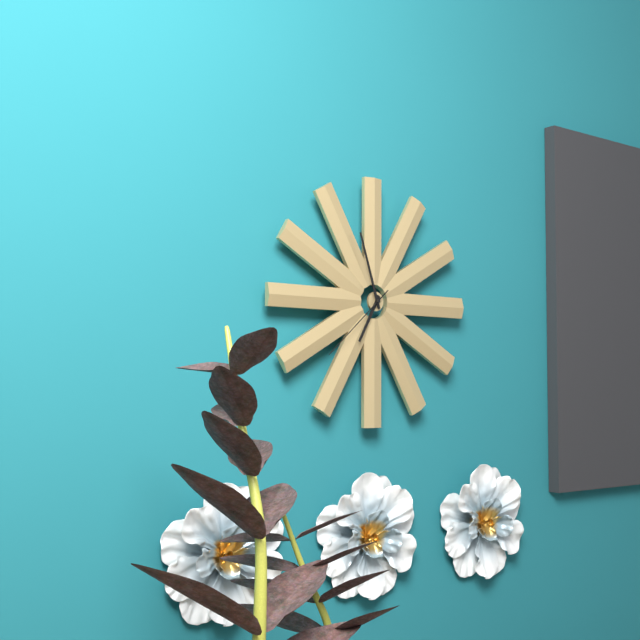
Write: {"hour": 6, "minute": 57, "second": 38}
